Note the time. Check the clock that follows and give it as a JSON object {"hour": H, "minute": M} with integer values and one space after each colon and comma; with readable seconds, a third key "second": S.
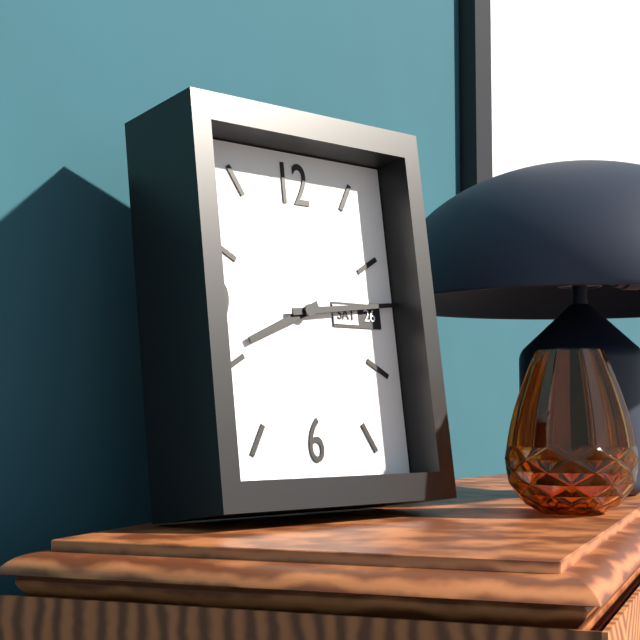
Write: {"hour": 8, "minute": 14}
